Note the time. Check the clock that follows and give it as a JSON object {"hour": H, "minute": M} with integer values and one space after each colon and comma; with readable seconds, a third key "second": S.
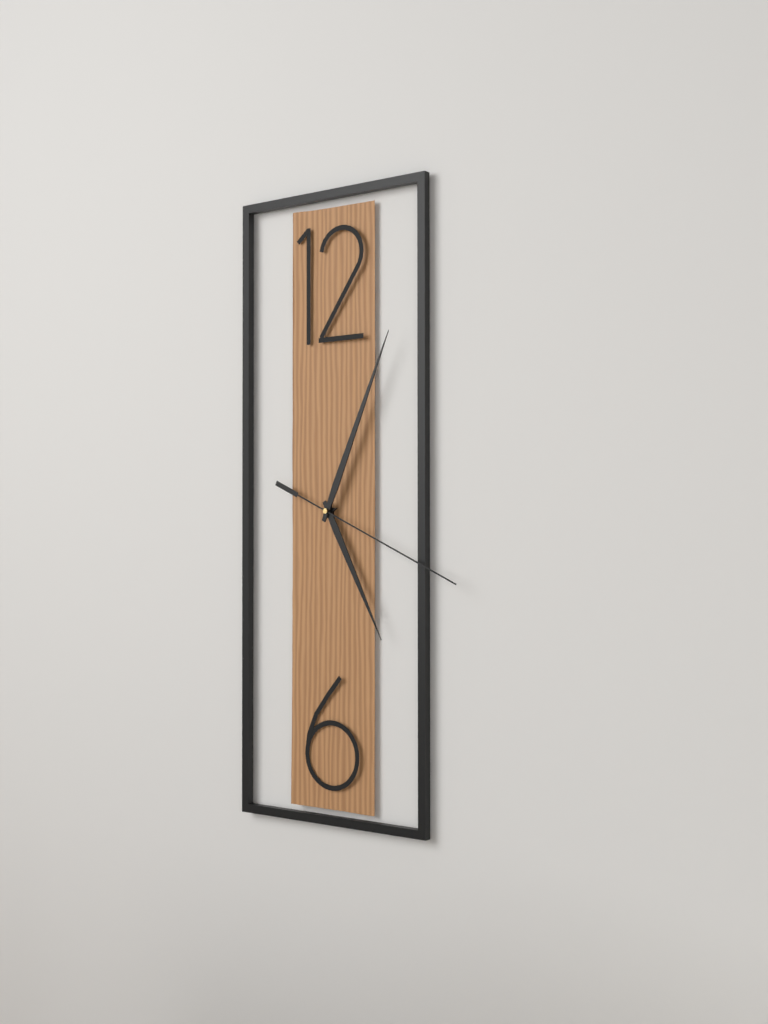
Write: {"hour": 5, "minute": 4, "second": 19}
